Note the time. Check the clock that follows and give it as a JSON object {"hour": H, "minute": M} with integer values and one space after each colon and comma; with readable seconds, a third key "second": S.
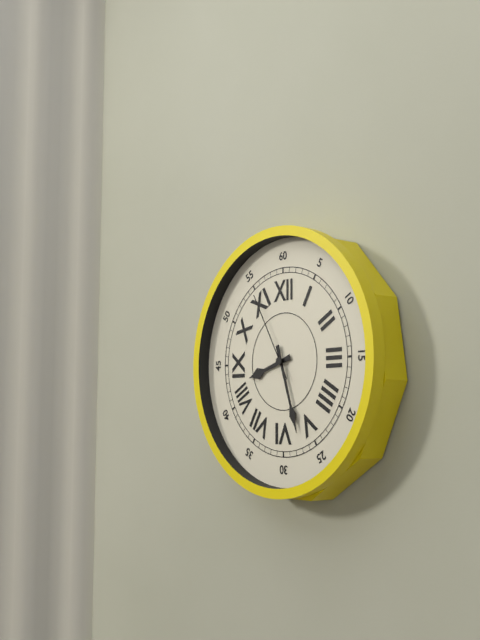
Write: {"hour": 8, "minute": 27, "second": 55}
